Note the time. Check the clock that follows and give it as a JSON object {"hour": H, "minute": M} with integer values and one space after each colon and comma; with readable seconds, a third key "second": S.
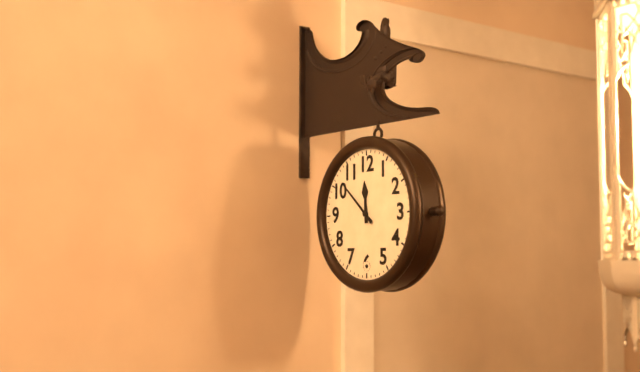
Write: {"hour": 11, "minute": 52}
